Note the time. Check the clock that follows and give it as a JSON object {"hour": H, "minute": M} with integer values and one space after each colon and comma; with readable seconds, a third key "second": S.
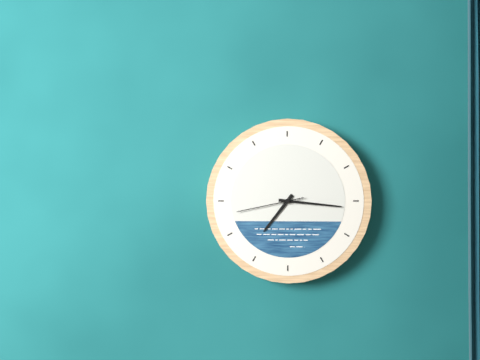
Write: {"hour": 7, "minute": 16, "second": 43}
